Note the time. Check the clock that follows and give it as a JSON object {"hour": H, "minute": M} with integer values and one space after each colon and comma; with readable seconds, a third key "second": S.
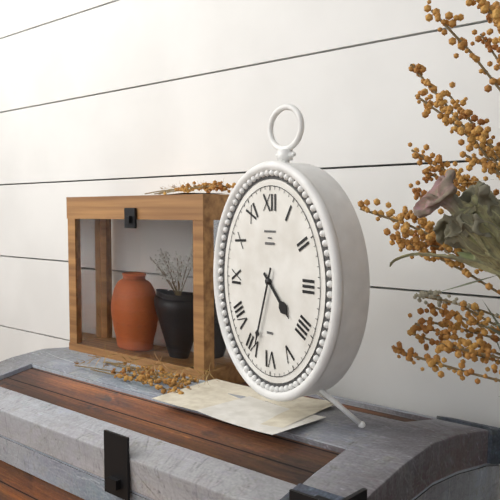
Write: {"hour": 4, "minute": 33}
